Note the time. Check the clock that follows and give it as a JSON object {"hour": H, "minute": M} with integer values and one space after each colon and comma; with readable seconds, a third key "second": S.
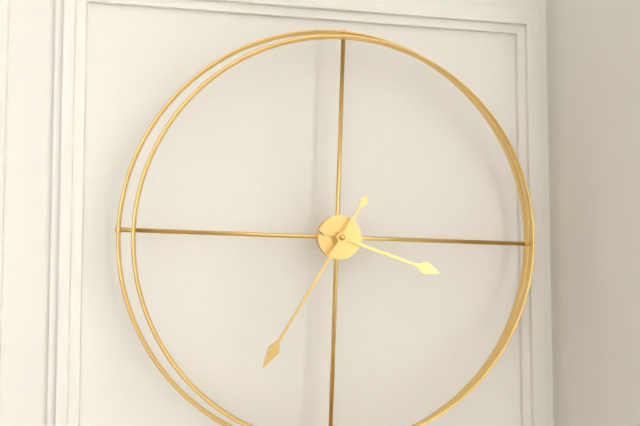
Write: {"hour": 3, "minute": 35}
